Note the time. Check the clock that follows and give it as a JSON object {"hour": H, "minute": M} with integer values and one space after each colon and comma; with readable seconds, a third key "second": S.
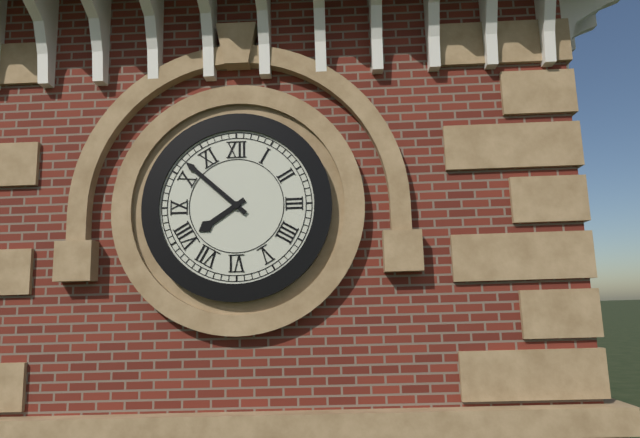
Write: {"hour": 7, "minute": 52}
